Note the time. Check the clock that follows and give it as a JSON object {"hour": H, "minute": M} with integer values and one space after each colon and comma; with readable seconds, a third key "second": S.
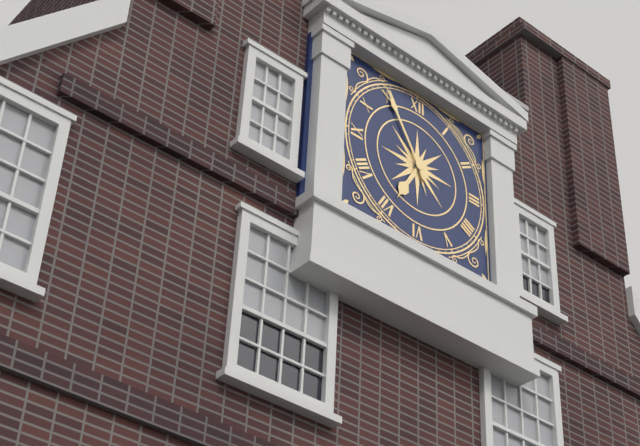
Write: {"hour": 6, "minute": 55}
